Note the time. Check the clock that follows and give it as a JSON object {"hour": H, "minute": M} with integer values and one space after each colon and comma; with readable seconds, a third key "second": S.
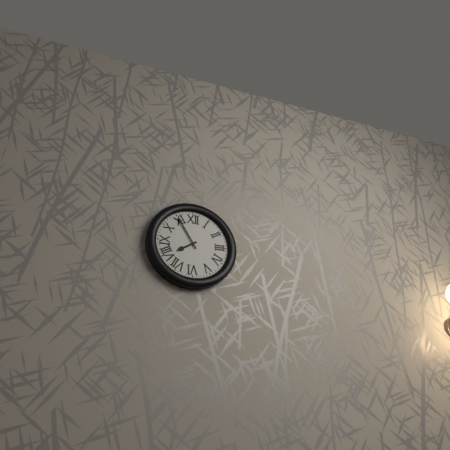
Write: {"hour": 7, "minute": 55}
